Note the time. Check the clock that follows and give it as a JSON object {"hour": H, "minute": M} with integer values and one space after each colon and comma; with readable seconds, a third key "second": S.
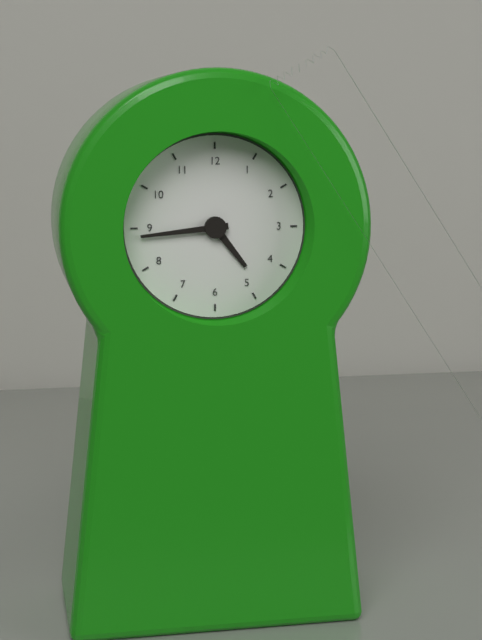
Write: {"hour": 4, "minute": 44}
